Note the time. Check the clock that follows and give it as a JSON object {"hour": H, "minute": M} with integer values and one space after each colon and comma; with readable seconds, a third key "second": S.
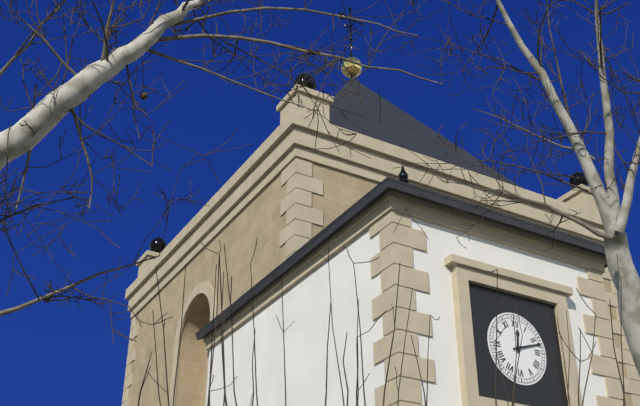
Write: {"hour": 12, "minute": 12}
